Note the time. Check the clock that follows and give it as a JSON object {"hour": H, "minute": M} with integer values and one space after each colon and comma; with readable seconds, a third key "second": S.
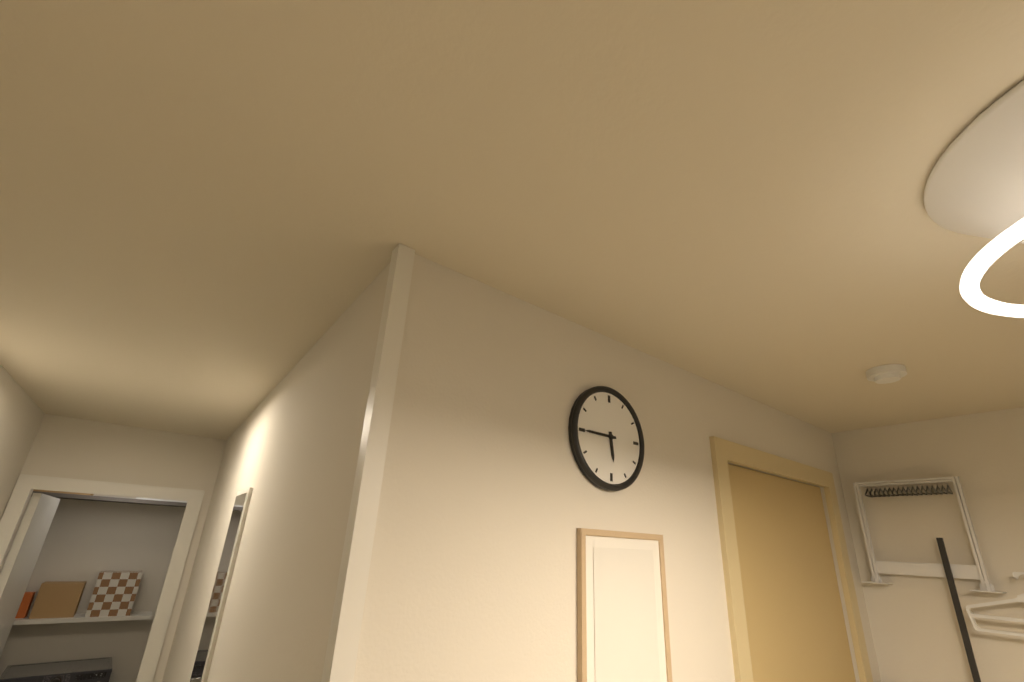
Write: {"hour": 5, "minute": 45}
